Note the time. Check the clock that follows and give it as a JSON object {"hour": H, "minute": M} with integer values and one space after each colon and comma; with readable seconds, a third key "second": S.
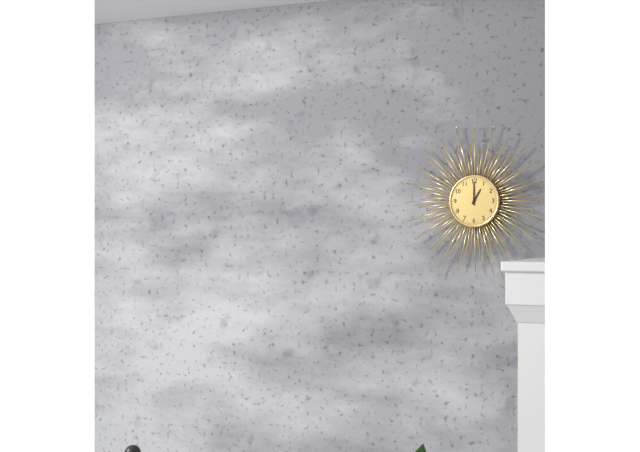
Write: {"hour": 1, "minute": 0}
